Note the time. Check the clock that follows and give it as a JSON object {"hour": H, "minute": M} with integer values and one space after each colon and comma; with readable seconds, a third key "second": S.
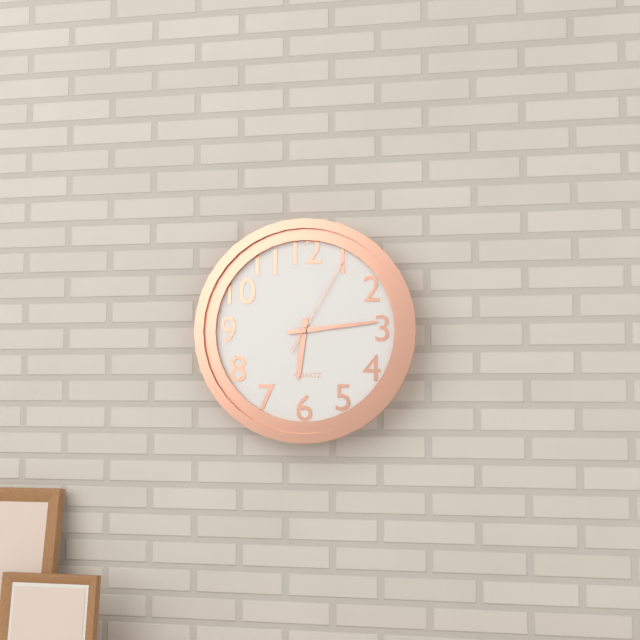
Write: {"hour": 6, "minute": 14, "second": 5}
